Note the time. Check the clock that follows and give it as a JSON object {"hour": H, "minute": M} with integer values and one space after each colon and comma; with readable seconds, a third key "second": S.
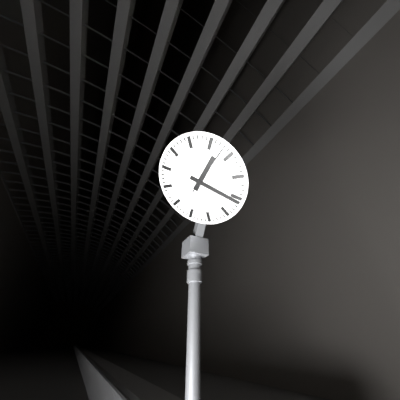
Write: {"hour": 2, "minute": 26}
